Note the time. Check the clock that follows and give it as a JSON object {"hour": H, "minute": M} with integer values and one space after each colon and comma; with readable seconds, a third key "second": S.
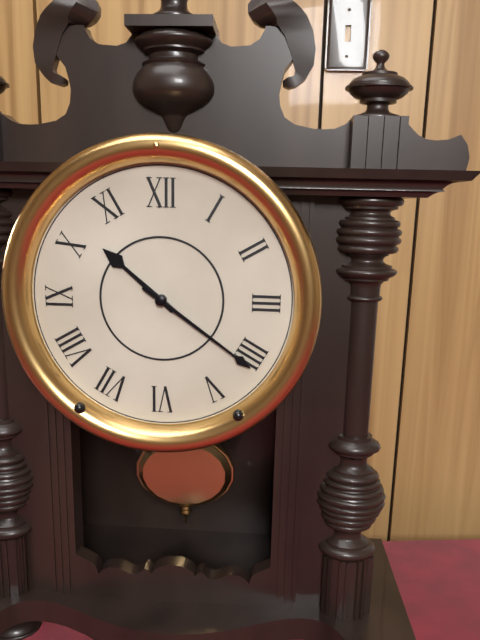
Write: {"hour": 10, "minute": 21}
